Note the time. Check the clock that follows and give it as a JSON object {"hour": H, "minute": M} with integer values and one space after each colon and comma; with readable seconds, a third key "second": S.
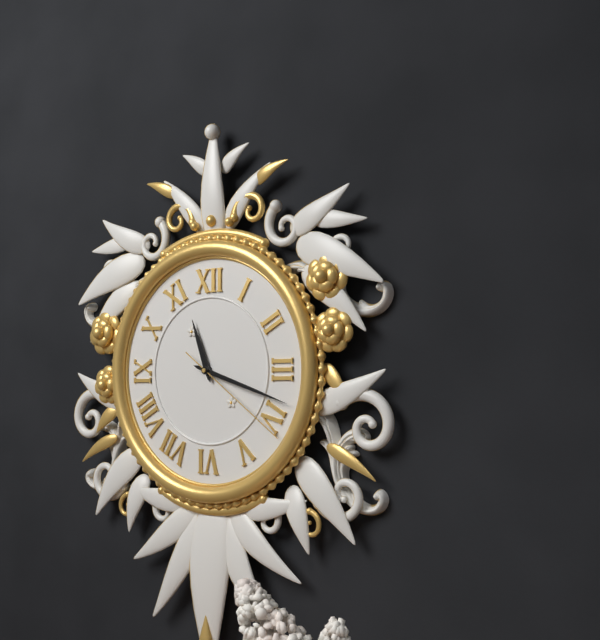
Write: {"hour": 11, "minute": 18, "second": 21}
